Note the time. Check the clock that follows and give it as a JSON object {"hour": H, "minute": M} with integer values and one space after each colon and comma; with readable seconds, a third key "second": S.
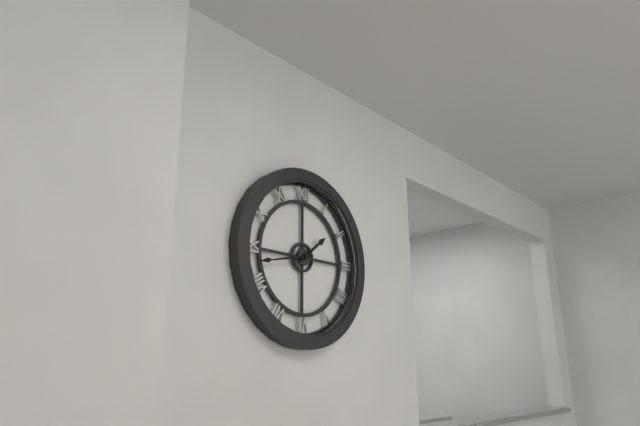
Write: {"hour": 1, "minute": 43}
